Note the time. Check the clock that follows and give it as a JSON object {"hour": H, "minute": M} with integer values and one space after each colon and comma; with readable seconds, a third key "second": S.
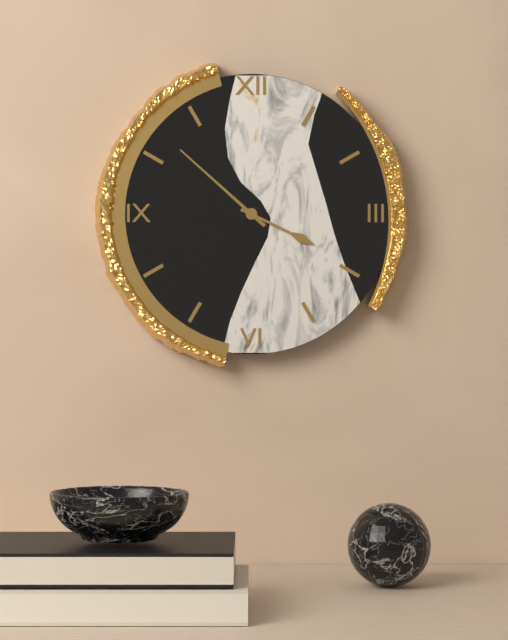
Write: {"hour": 3, "minute": 52}
